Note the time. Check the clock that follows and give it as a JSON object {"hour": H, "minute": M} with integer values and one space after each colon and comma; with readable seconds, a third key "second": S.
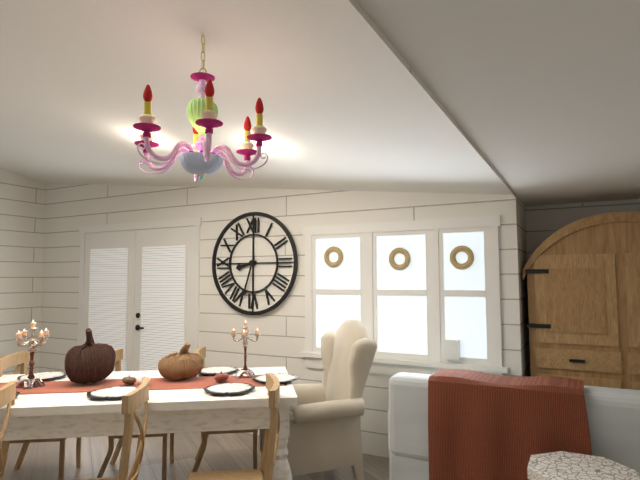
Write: {"hour": 8, "minute": 33}
